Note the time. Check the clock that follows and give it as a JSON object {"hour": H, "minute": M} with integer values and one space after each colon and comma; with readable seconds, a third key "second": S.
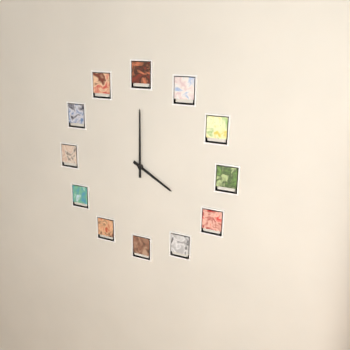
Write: {"hour": 4, "minute": 0}
